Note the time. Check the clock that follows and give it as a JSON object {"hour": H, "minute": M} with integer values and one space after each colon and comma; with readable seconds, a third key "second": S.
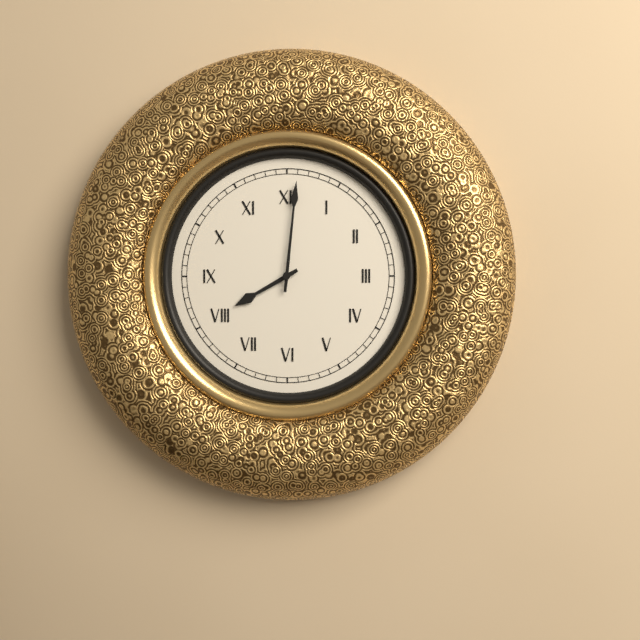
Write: {"hour": 8, "minute": 1}
